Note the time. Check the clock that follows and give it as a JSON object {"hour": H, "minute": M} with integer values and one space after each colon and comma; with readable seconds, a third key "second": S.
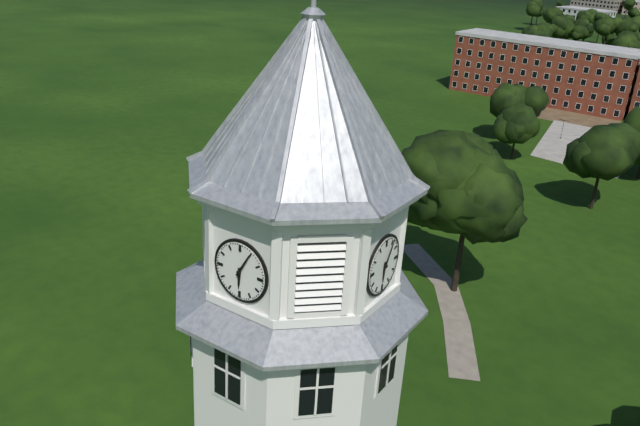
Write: {"hour": 6, "minute": 5}
